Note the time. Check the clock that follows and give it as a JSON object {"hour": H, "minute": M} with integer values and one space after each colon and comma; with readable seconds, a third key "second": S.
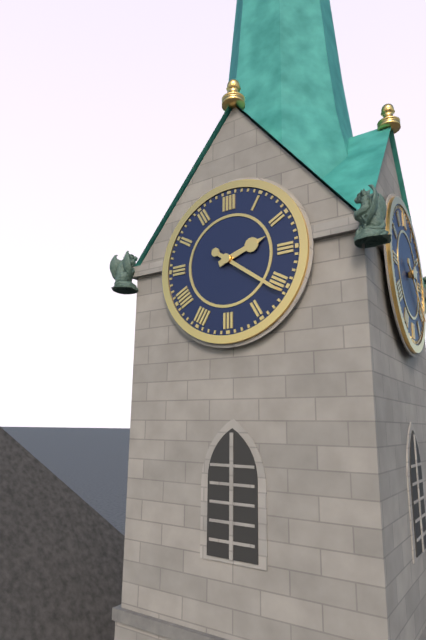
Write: {"hour": 2, "minute": 21}
